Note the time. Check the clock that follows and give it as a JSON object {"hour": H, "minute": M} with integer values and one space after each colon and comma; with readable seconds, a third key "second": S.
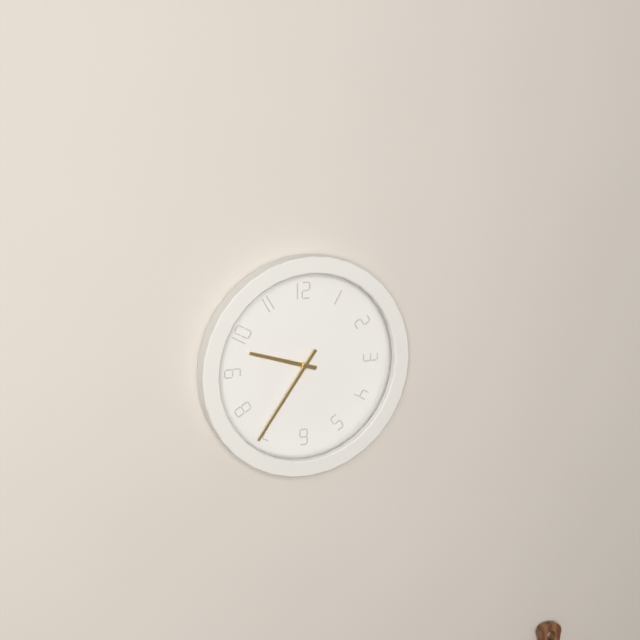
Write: {"hour": 9, "minute": 36}
